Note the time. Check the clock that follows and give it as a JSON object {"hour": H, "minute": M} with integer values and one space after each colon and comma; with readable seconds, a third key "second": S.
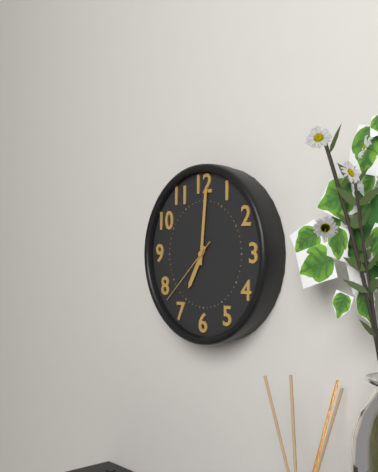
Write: {"hour": 7, "minute": 1, "second": 38}
